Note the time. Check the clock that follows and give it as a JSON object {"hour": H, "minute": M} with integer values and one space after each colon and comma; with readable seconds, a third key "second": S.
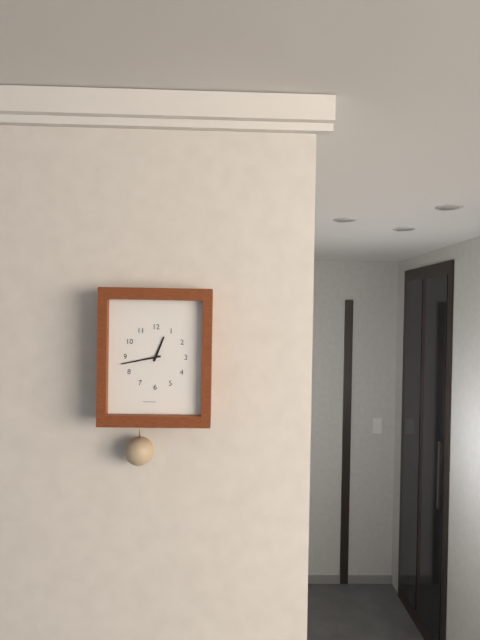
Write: {"hour": 12, "minute": 43}
